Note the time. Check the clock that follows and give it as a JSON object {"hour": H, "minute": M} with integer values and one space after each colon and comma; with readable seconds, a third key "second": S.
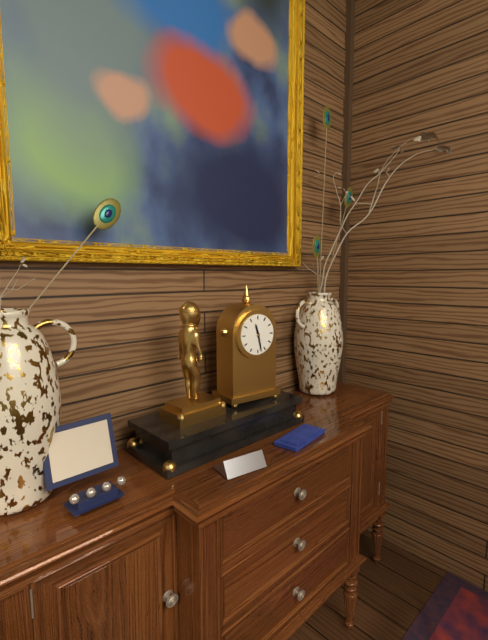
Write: {"hour": 11, "minute": 28}
